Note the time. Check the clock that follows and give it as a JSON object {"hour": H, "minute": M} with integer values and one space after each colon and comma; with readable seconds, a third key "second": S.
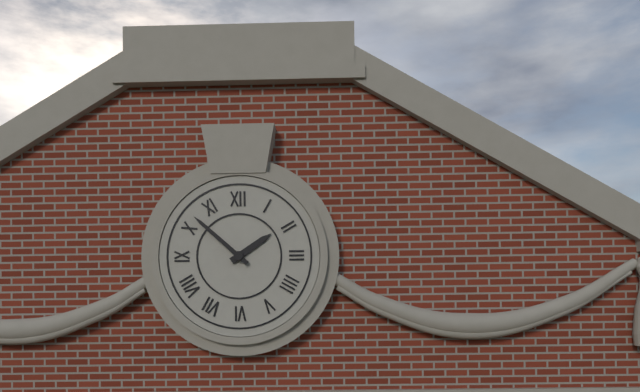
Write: {"hour": 1, "minute": 52}
